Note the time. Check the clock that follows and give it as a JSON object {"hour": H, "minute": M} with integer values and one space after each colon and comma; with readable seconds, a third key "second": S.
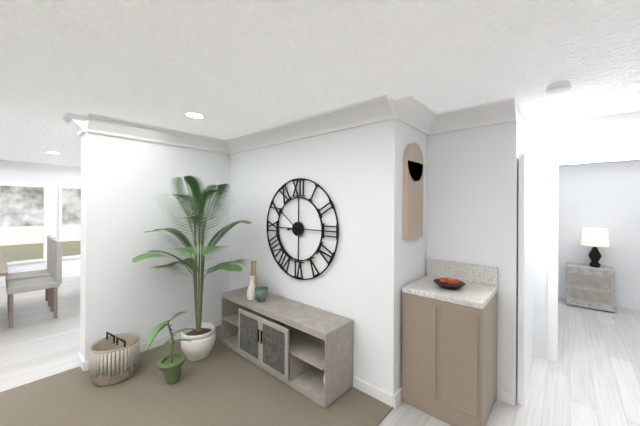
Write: {"hour": 8, "minute": 51}
